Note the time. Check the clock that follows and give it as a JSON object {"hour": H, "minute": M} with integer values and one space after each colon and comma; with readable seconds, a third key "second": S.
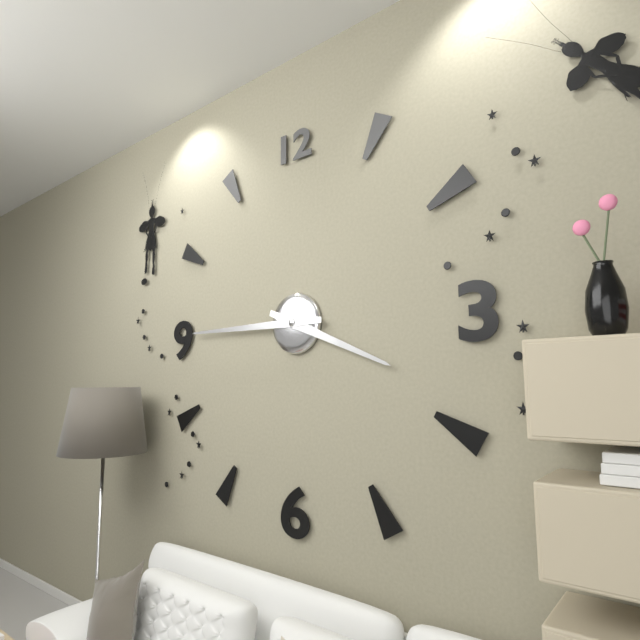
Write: {"hour": 3, "minute": 45}
